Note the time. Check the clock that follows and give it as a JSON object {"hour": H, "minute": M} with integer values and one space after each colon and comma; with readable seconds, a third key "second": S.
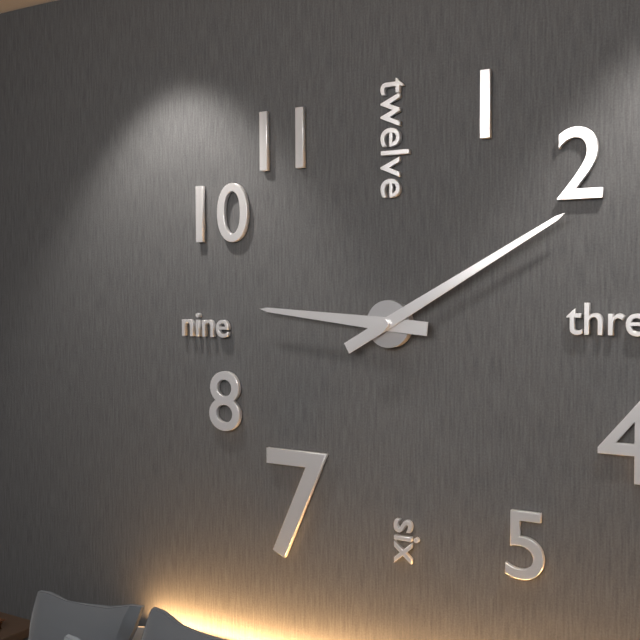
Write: {"hour": 9, "minute": 10}
